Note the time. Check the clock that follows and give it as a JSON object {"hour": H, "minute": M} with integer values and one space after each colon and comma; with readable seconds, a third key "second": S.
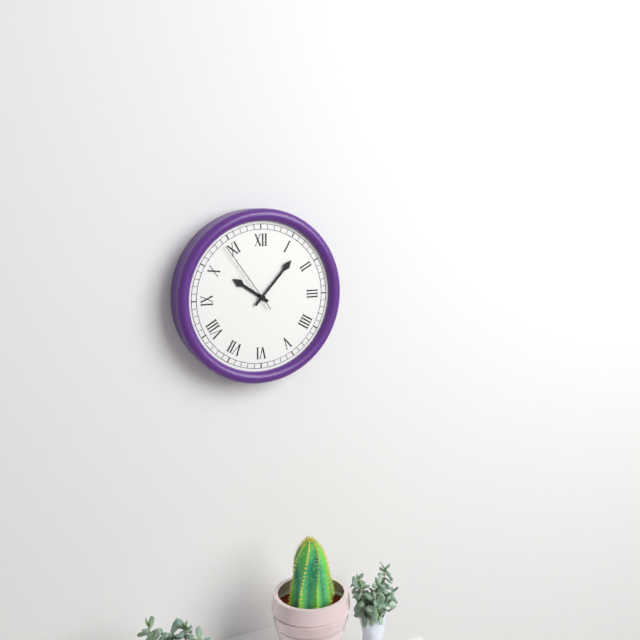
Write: {"hour": 10, "minute": 7, "second": 54}
